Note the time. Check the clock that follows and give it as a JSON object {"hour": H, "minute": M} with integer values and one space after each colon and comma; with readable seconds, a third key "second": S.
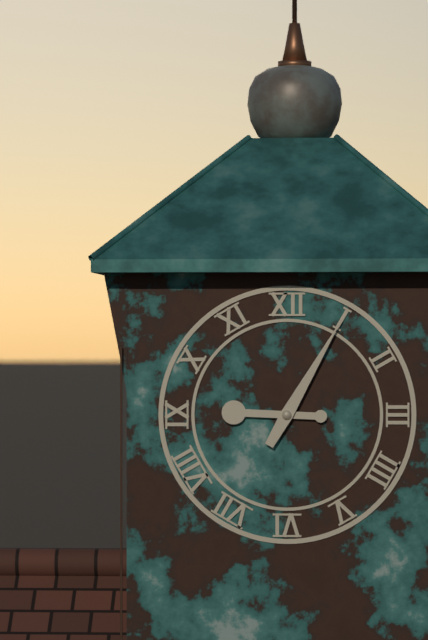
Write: {"hour": 9, "minute": 5}
